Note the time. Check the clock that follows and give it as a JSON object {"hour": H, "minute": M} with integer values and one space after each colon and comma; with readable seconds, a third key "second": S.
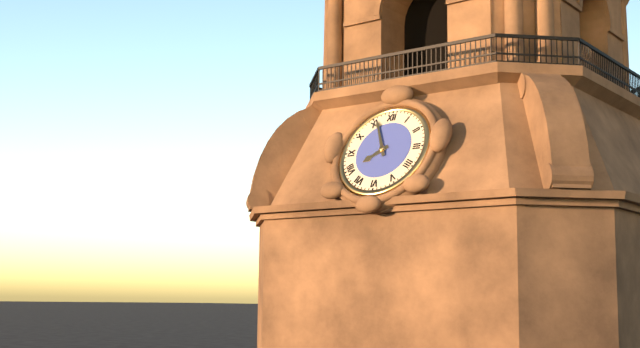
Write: {"hour": 7, "minute": 56}
